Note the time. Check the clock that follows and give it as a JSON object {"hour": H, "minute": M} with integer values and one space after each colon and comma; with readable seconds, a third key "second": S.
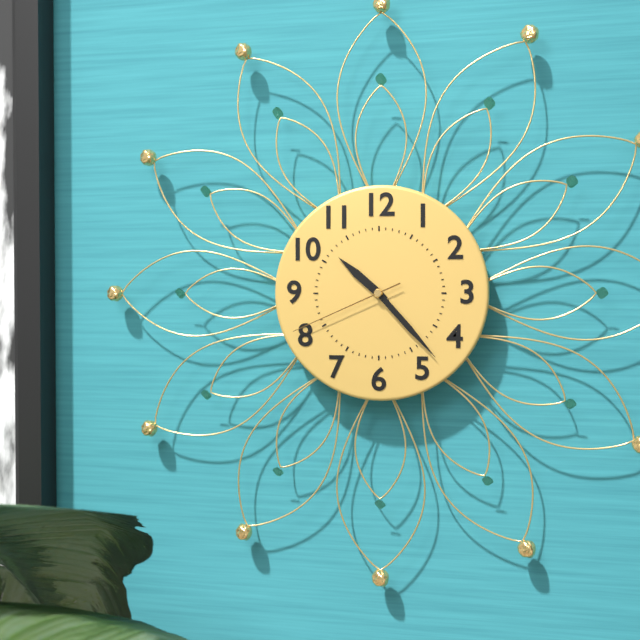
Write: {"hour": 10, "minute": 23, "second": 41}
